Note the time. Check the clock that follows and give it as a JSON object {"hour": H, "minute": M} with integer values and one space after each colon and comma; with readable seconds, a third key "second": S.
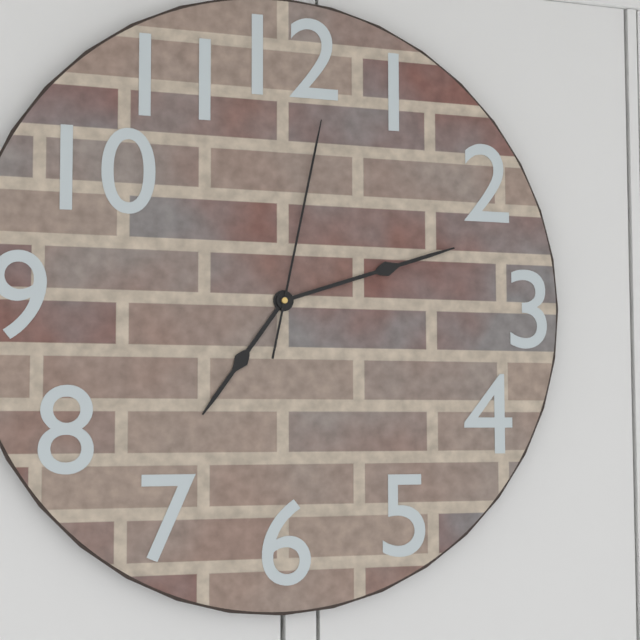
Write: {"hour": 7, "minute": 12, "second": 2}
